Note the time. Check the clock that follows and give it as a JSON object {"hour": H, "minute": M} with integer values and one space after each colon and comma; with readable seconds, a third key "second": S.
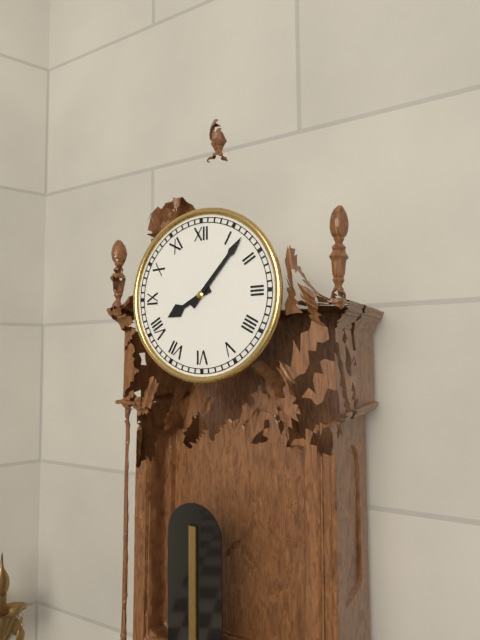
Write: {"hour": 8, "minute": 7}
